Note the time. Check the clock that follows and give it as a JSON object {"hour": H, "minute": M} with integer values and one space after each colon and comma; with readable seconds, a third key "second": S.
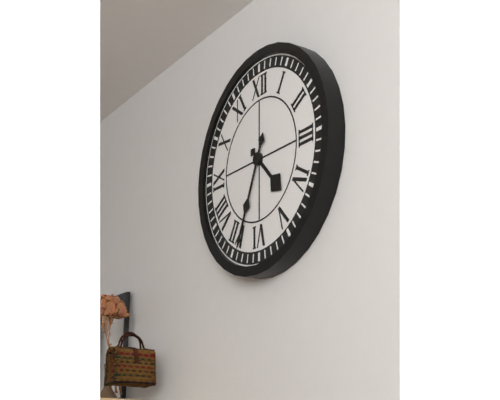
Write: {"hour": 4, "minute": 34}
